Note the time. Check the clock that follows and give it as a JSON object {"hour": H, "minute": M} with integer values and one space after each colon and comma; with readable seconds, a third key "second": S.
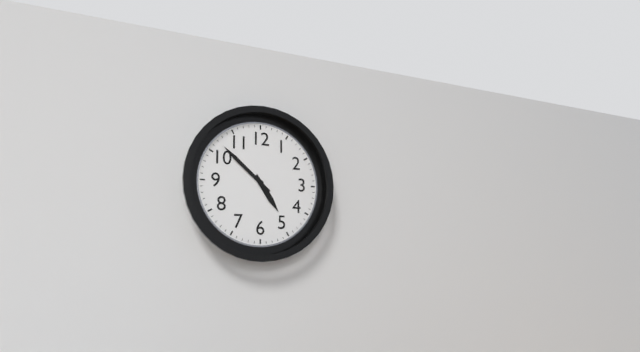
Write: {"hour": 4, "minute": 52}
